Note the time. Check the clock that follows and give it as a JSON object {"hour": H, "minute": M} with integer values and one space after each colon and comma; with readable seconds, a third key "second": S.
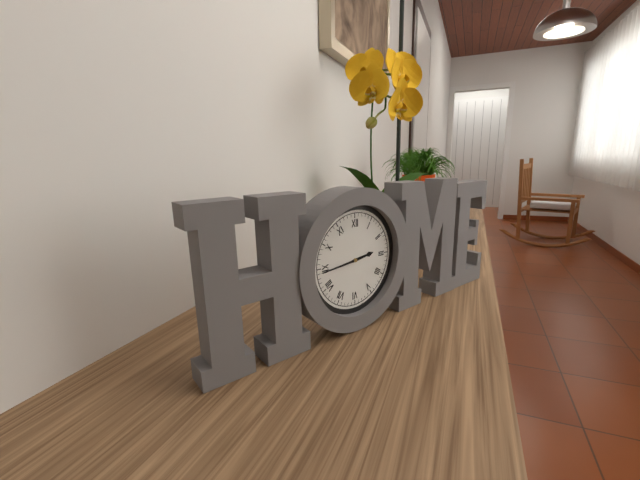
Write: {"hour": 2, "minute": 44}
